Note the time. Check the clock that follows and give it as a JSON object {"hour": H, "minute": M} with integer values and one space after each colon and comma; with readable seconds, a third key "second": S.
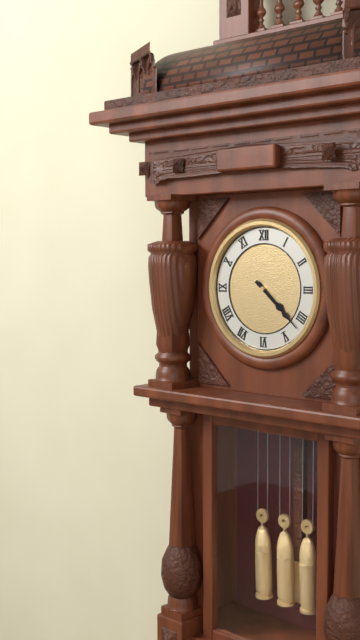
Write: {"hour": 4, "minute": 22}
